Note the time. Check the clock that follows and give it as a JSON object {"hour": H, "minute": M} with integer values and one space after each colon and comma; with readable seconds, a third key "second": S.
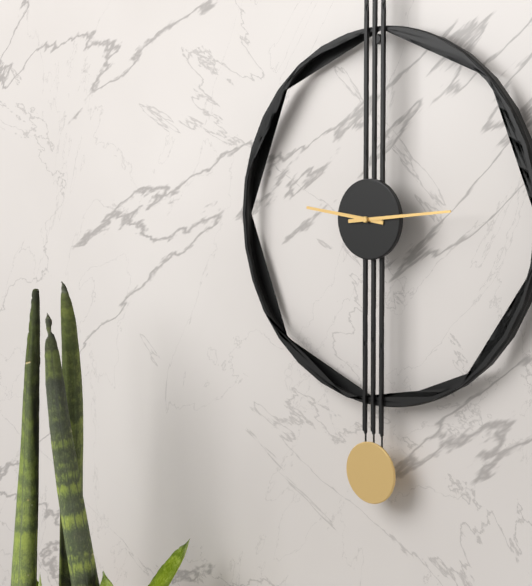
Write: {"hour": 9, "minute": 14}
